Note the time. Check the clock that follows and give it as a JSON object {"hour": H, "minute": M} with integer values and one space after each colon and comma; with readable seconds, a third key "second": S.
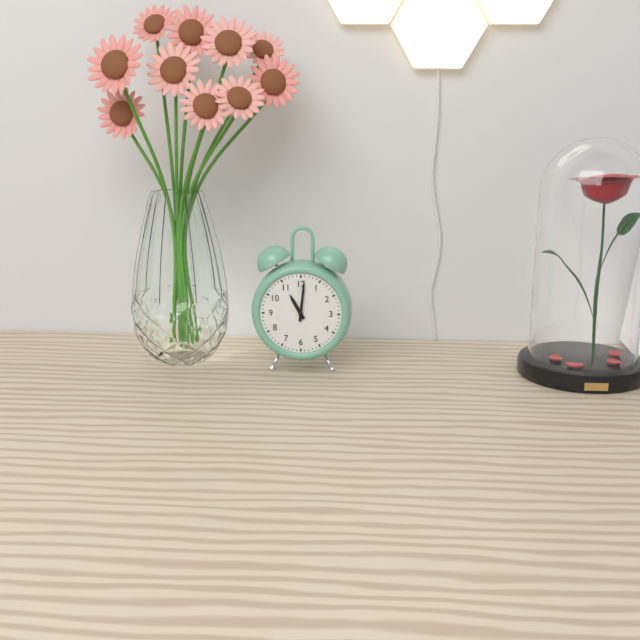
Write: {"hour": 11, "minute": 1}
